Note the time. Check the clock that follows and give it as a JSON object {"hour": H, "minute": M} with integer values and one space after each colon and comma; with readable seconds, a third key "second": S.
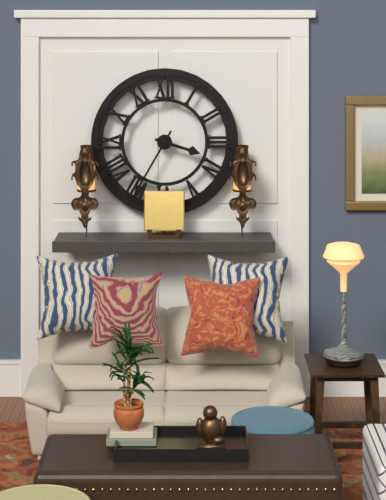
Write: {"hour": 3, "minute": 35}
